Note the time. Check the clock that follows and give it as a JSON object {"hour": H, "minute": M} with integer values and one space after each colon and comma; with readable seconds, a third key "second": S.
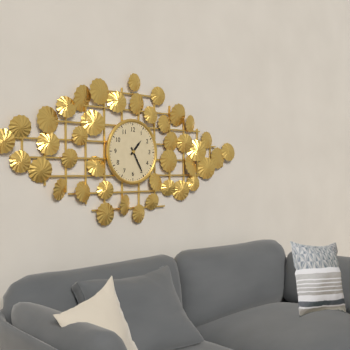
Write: {"hour": 1, "minute": 25}
